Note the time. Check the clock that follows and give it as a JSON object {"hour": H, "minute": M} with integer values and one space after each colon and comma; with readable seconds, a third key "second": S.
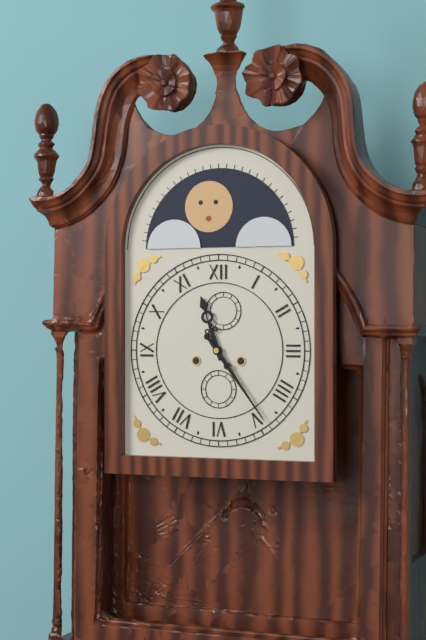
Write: {"hour": 11, "minute": 24}
